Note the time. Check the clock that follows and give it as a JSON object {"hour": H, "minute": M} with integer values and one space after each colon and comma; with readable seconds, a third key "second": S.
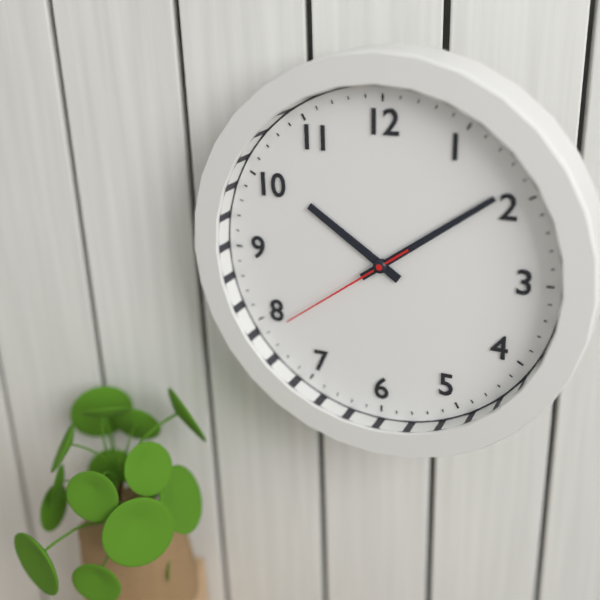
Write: {"hour": 10, "minute": 9, "second": 39}
